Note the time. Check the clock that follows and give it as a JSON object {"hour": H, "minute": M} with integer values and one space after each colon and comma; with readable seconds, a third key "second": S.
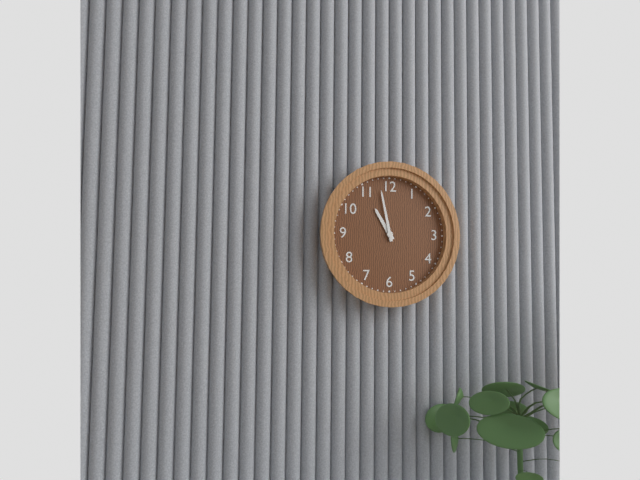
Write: {"hour": 10, "minute": 58}
